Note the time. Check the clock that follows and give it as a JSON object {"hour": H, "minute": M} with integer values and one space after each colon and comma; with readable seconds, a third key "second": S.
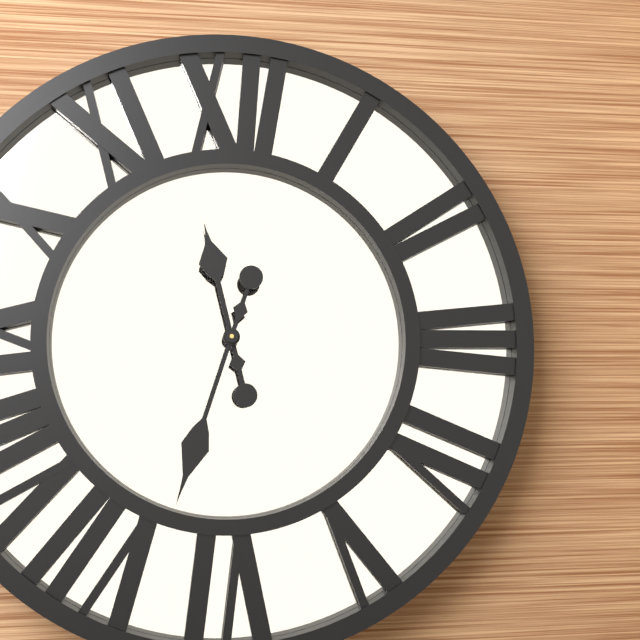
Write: {"hour": 11, "minute": 33}
